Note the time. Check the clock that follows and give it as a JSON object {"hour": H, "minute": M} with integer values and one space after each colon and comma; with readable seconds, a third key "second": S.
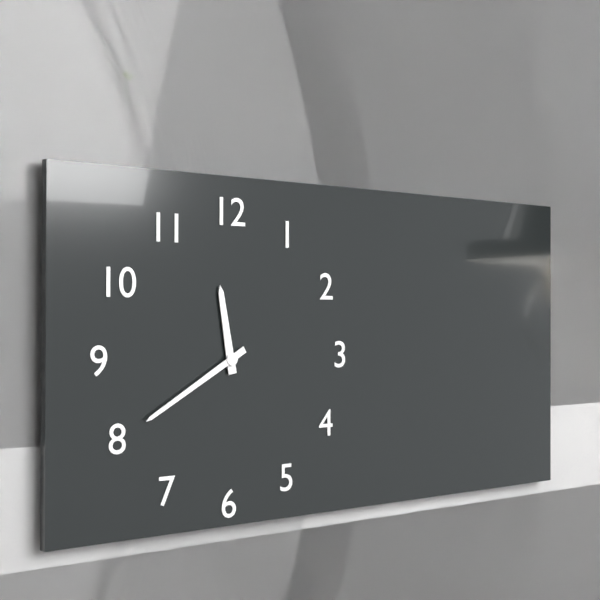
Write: {"hour": 11, "minute": 40}
